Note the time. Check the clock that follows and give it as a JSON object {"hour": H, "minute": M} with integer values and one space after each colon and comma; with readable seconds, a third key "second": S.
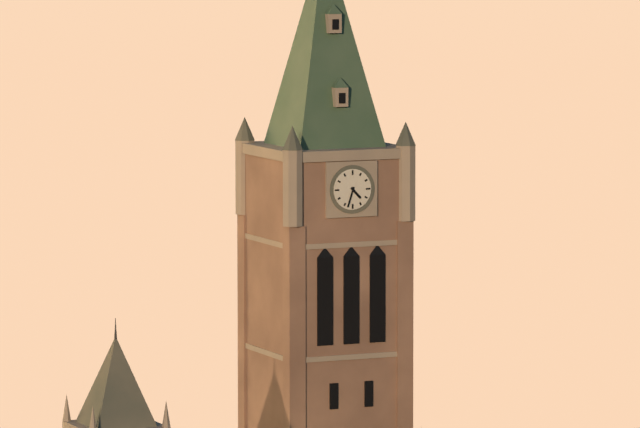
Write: {"hour": 4, "minute": 33}
